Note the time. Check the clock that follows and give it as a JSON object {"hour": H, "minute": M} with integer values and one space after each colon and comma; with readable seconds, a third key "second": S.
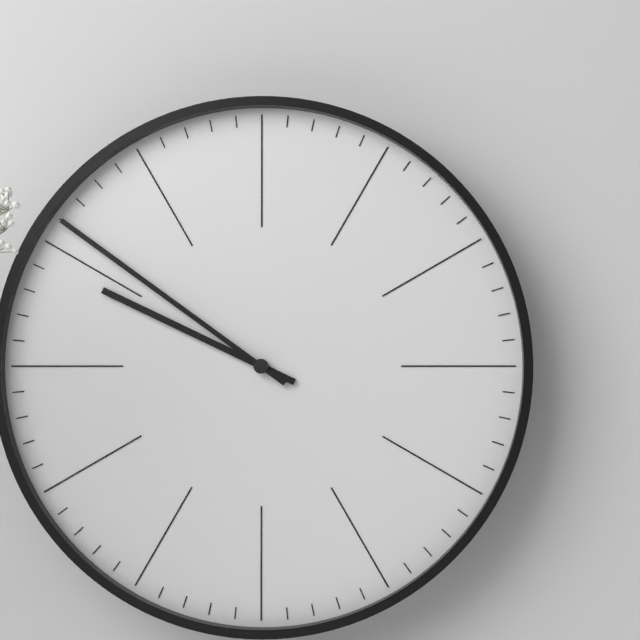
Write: {"hour": 9, "minute": 51}
